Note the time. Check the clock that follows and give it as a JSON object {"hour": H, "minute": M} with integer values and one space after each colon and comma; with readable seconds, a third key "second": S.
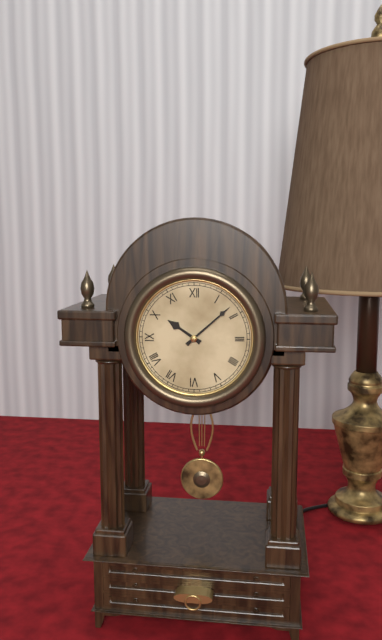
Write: {"hour": 10, "minute": 8}
